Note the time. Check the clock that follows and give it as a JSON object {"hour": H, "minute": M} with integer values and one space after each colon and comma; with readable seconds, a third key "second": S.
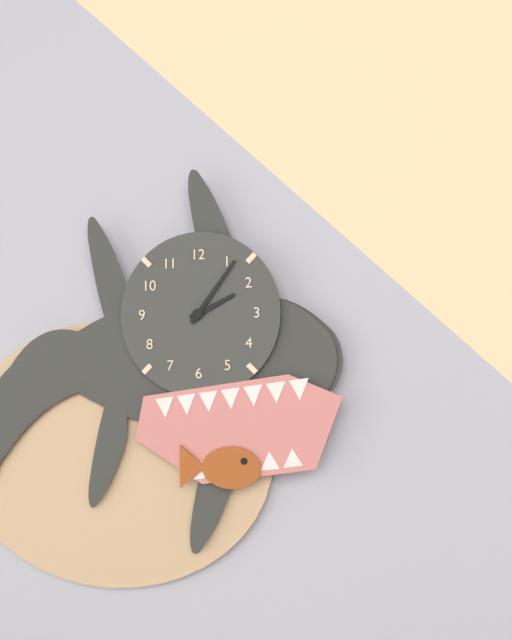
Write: {"hour": 2, "minute": 6}
